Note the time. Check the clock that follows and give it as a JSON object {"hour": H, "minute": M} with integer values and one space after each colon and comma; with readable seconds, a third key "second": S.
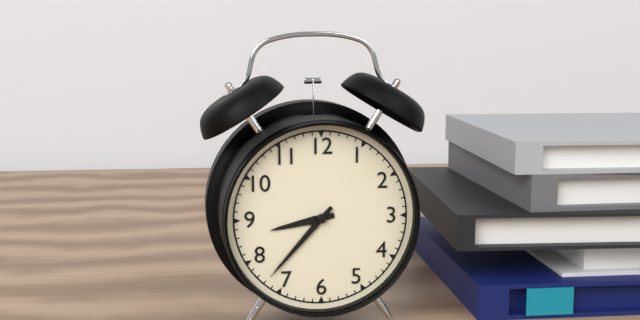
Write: {"hour": 8, "minute": 37}
